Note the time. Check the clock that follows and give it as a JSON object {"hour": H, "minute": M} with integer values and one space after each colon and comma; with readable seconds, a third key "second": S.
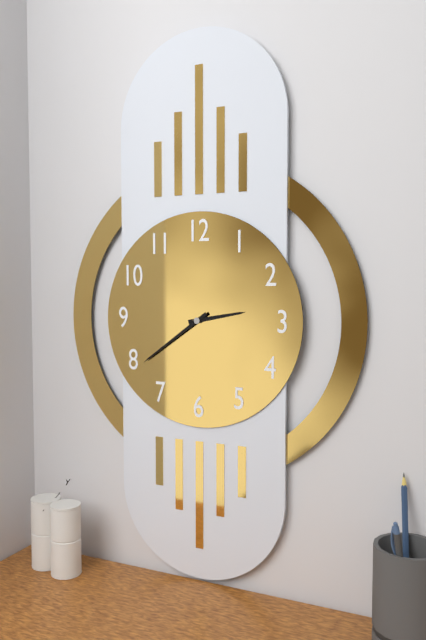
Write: {"hour": 2, "minute": 39}
